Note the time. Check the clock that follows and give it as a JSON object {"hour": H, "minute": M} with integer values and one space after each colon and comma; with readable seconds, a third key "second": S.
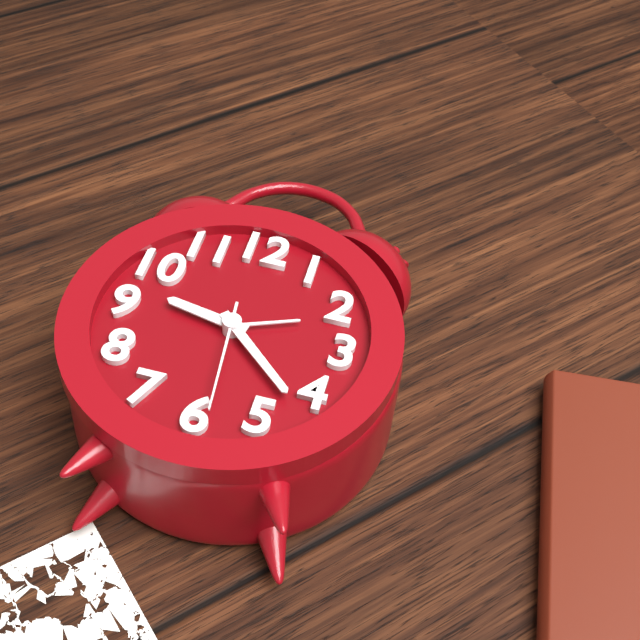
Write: {"hour": 9, "minute": 22, "second": 29}
